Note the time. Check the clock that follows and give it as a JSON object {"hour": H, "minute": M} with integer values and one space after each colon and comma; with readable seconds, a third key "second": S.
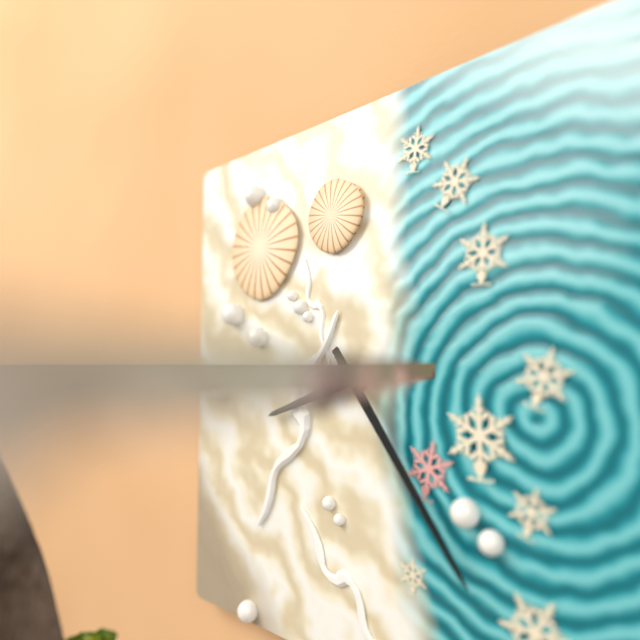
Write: {"hour": 8, "minute": 24}
